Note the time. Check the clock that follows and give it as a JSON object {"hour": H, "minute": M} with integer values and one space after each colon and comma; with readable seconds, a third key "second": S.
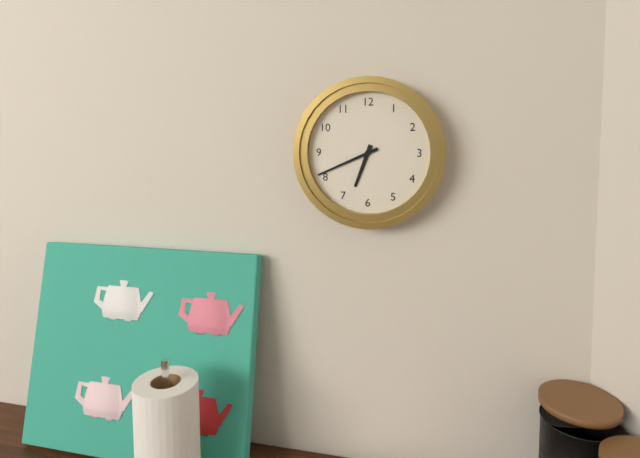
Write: {"hour": 6, "minute": 41}
